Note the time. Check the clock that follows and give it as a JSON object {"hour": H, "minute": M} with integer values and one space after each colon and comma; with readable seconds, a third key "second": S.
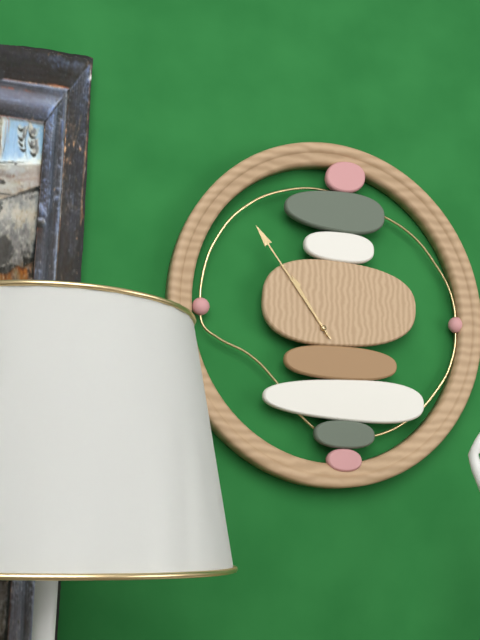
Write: {"hour": 10, "minute": 54}
